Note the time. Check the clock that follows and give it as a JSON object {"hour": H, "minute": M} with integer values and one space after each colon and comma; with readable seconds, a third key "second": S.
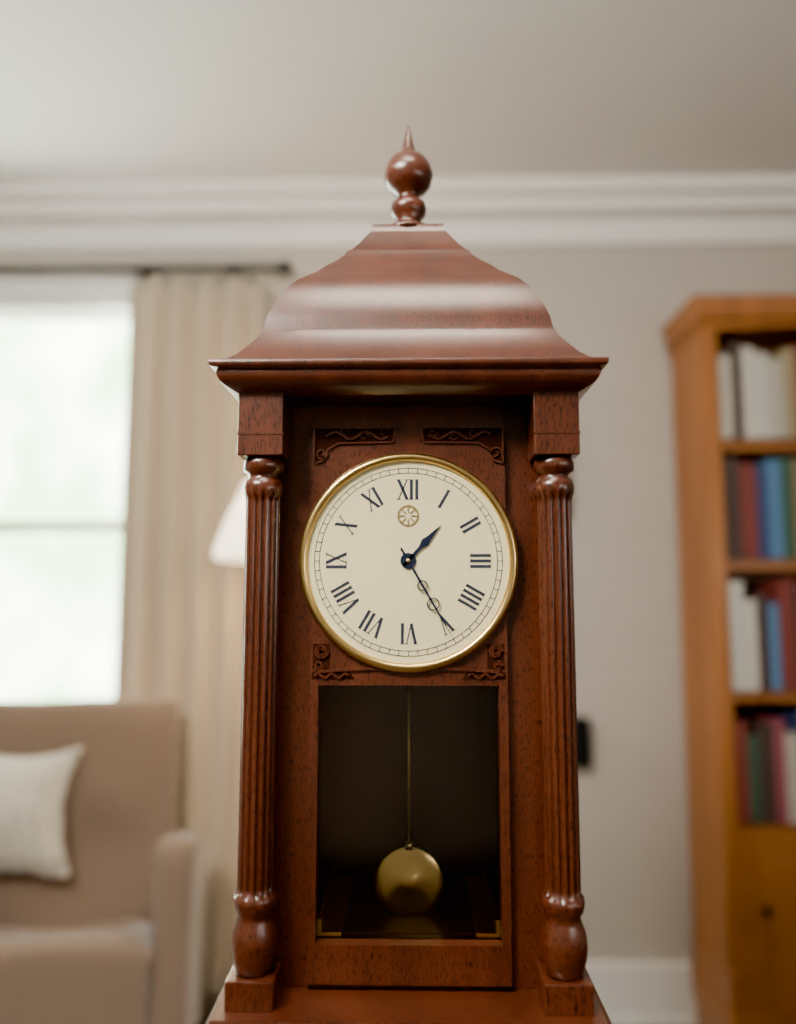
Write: {"hour": 1, "minute": 25}
